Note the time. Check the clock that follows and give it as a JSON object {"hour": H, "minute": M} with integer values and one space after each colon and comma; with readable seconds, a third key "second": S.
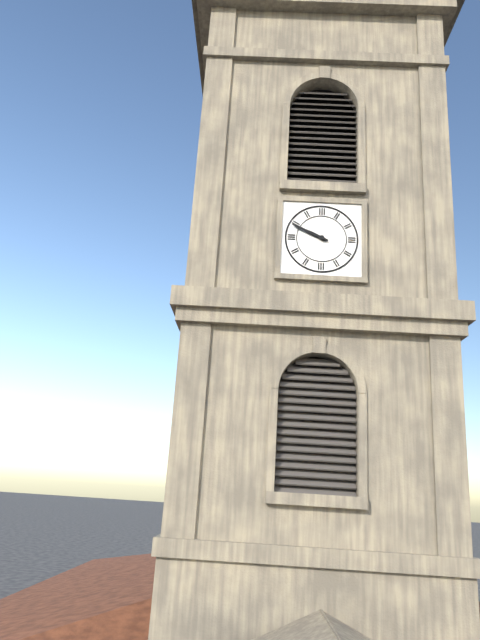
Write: {"hour": 9, "minute": 49}
